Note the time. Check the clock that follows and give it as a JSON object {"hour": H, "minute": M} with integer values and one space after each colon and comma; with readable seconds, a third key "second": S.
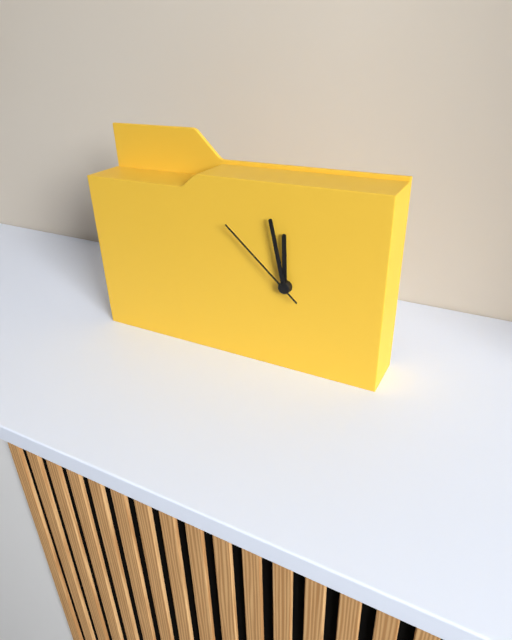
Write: {"hour": 11, "minute": 58, "second": 52}
